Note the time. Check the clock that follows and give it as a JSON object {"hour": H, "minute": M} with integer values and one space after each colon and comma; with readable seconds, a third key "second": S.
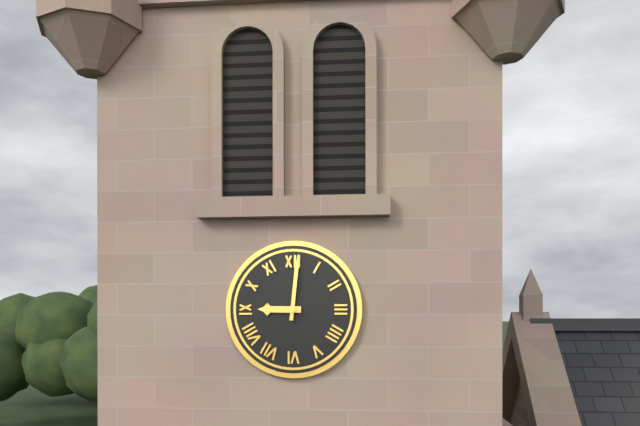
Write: {"hour": 9, "minute": 1}
